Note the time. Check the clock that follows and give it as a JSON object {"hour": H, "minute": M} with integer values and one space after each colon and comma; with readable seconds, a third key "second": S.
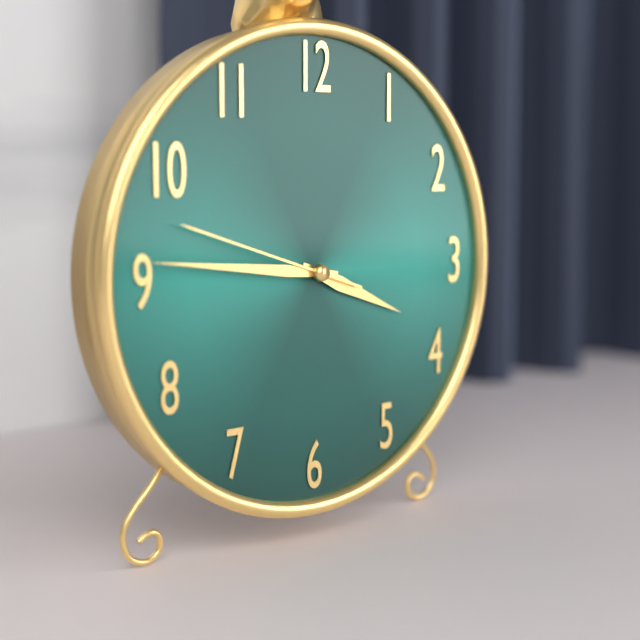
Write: {"hour": 3, "minute": 46, "second": 48}
